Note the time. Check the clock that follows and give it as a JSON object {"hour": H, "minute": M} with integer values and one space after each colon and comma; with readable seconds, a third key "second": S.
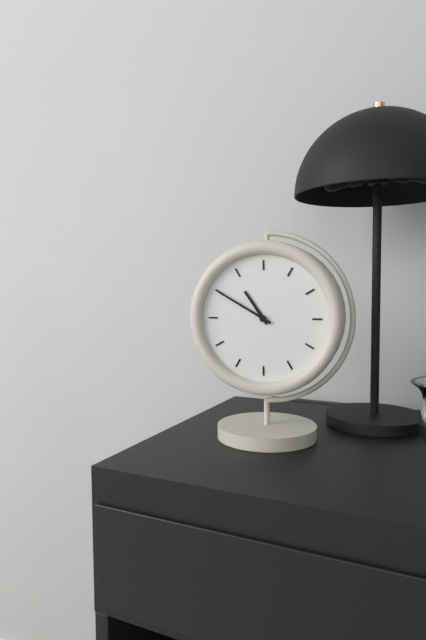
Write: {"hour": 10, "minute": 50}
